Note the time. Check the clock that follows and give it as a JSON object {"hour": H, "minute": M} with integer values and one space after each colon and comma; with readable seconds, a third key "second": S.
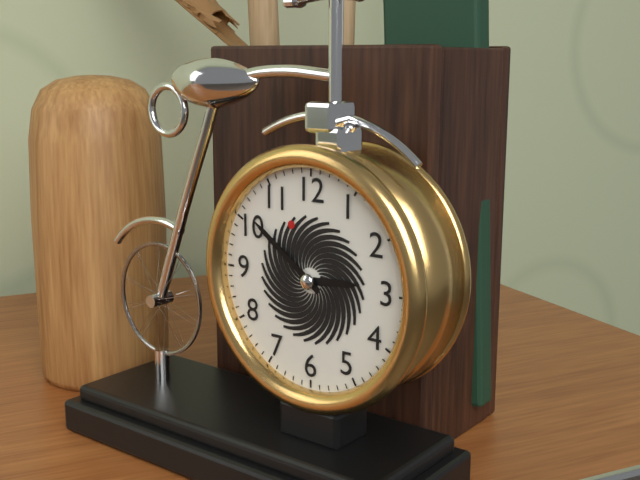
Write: {"hour": 2, "minute": 51}
